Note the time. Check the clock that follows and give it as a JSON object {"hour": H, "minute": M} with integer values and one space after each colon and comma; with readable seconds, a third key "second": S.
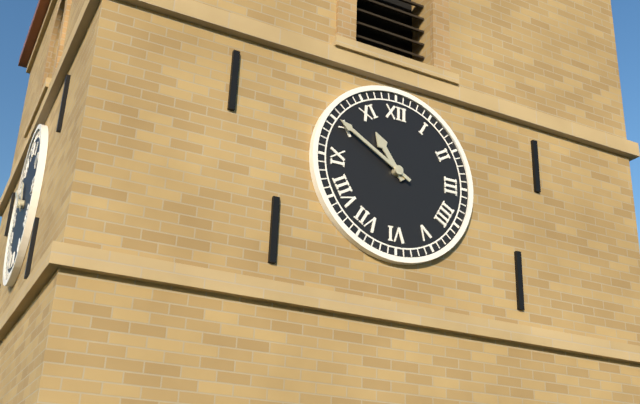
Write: {"hour": 10, "minute": 50}
